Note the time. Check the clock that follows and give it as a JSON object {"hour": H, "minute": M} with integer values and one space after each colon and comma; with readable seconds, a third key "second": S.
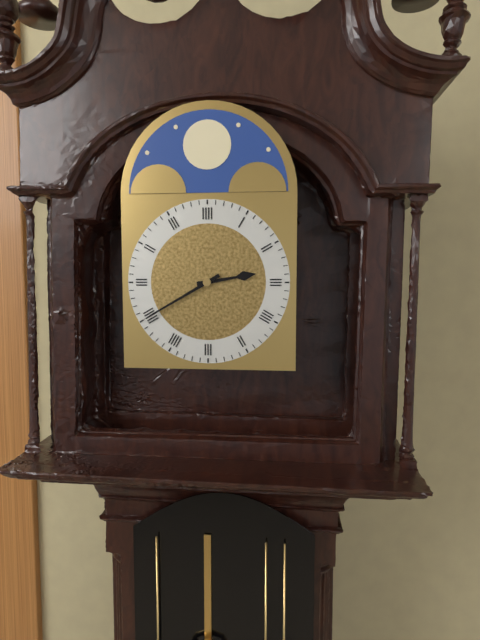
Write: {"hour": 2, "minute": 40}
